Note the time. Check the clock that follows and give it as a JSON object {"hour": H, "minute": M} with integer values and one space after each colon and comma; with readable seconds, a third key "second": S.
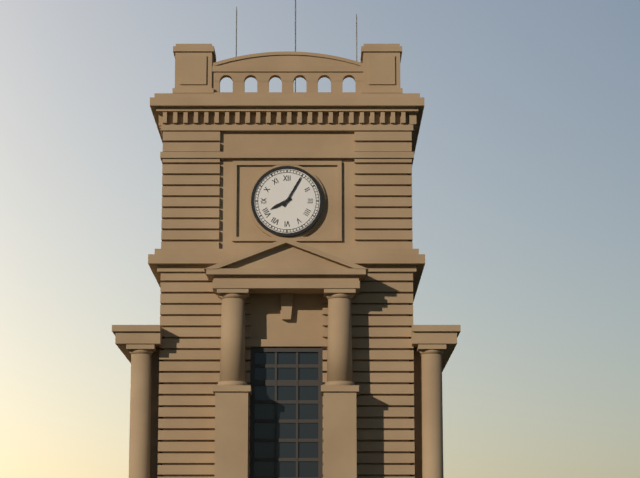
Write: {"hour": 8, "minute": 5}
